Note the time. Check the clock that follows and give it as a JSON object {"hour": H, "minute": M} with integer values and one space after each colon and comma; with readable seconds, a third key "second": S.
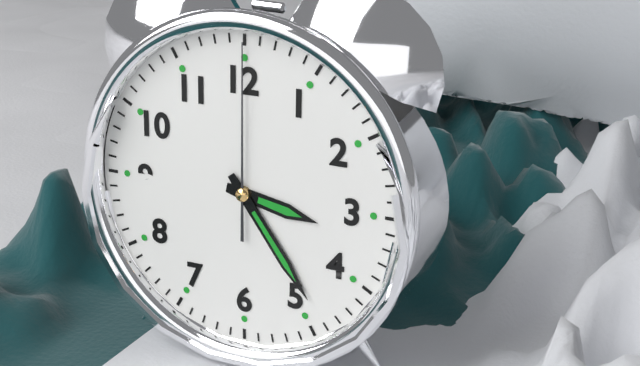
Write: {"hour": 3, "minute": 24, "second": 0}
